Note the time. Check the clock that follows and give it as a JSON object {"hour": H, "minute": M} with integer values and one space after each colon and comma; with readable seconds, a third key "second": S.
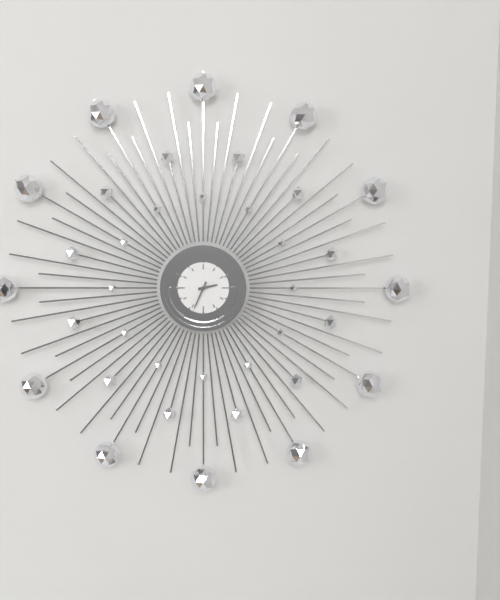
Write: {"hour": 2, "minute": 34}
